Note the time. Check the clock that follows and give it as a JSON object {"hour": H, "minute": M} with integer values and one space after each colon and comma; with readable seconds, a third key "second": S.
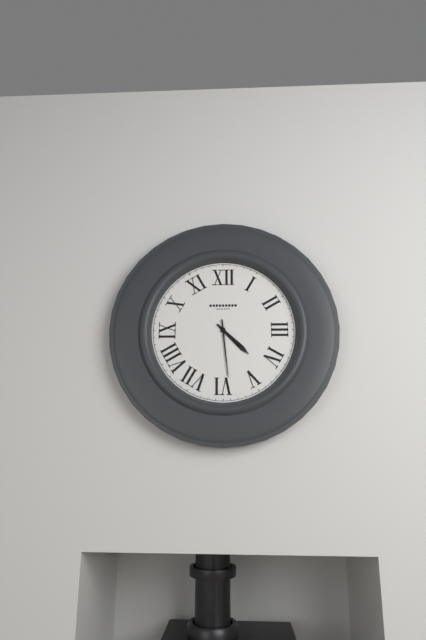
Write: {"hour": 4, "minute": 29}
